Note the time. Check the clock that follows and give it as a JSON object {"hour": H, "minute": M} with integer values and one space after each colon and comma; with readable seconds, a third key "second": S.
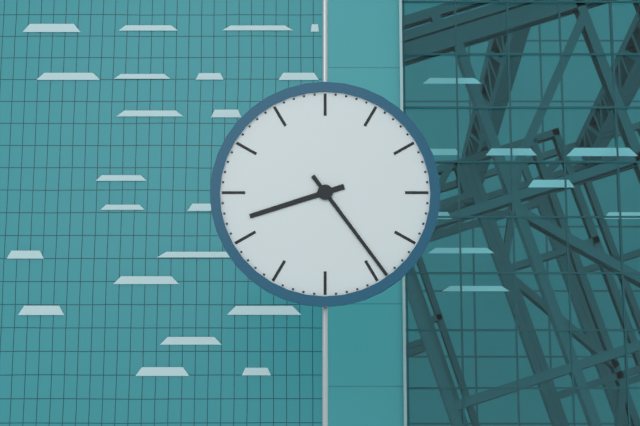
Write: {"hour": 8, "minute": 24}
